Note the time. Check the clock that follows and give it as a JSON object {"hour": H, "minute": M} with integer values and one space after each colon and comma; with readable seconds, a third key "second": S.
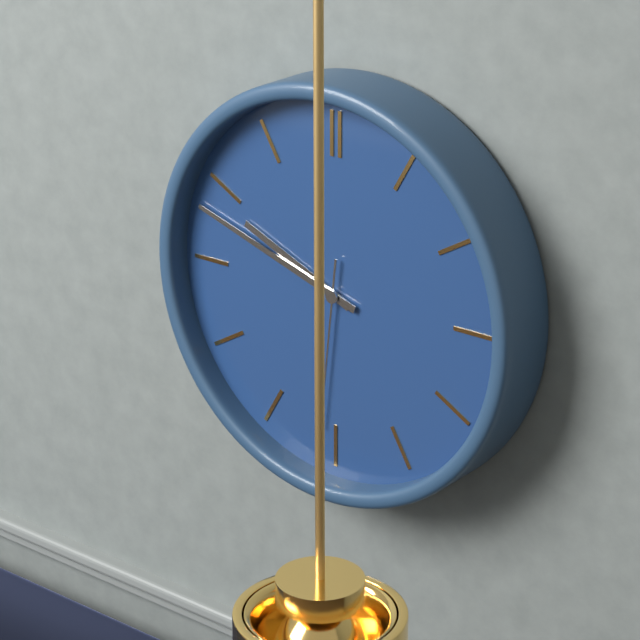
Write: {"hour": 9, "minute": 48}
